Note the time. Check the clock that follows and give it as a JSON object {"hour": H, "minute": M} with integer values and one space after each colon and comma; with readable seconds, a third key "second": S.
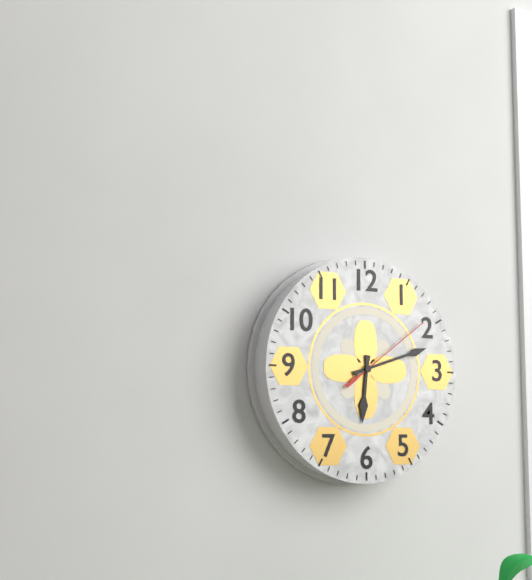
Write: {"hour": 6, "minute": 12, "second": 9}
